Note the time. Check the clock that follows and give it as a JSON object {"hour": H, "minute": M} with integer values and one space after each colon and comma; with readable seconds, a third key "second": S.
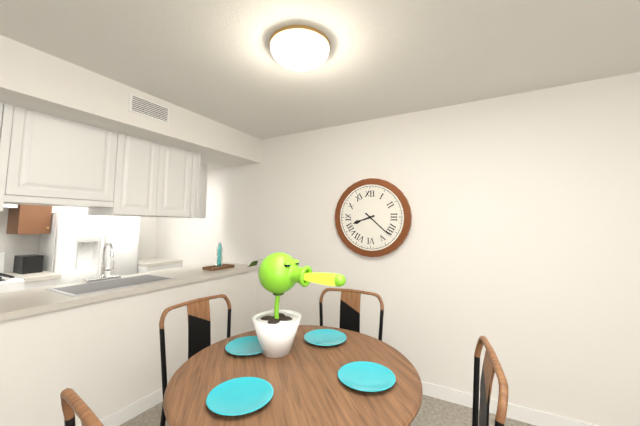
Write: {"hour": 8, "minute": 22}
